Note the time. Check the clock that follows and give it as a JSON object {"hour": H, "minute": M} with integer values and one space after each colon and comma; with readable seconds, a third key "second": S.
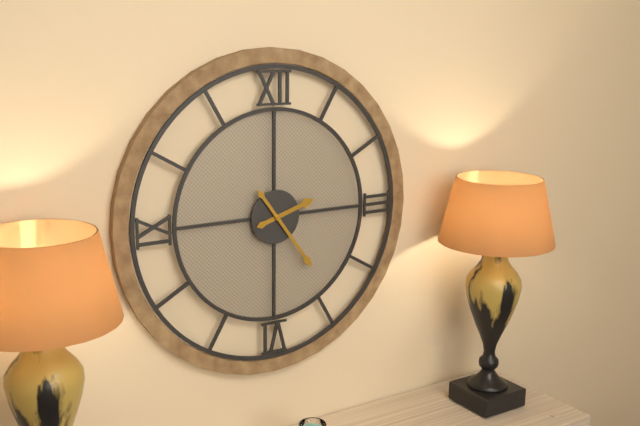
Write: {"hour": 2, "minute": 24}
